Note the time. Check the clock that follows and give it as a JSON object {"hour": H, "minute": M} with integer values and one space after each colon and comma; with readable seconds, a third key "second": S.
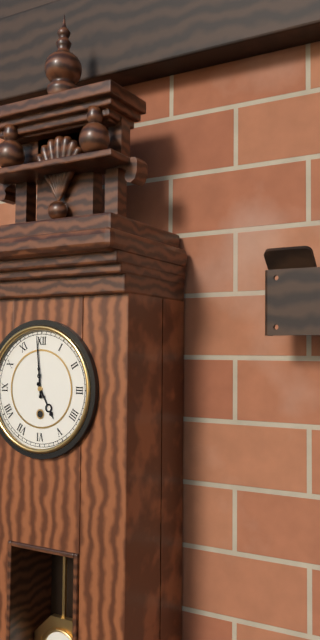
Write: {"hour": 4, "minute": 59}
